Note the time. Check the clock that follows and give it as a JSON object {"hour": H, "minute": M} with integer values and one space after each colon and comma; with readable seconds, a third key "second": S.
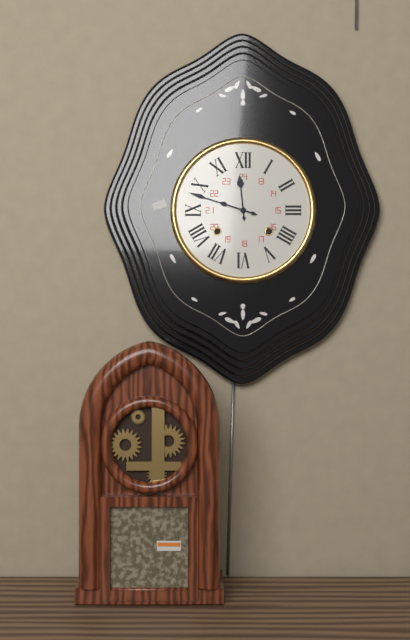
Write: {"hour": 11, "minute": 48}
